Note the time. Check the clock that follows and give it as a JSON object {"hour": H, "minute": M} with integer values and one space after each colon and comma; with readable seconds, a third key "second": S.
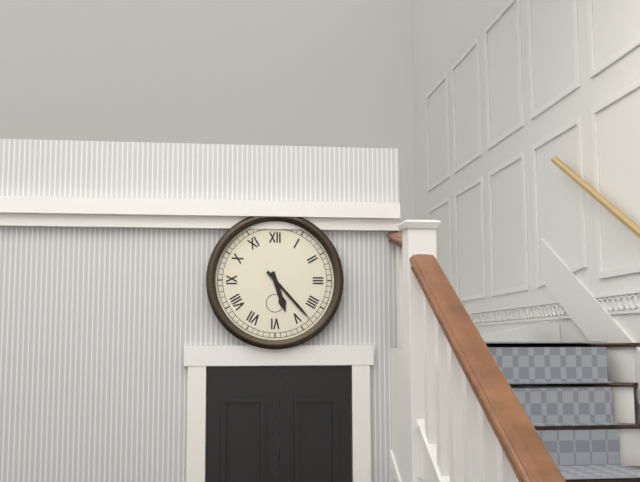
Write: {"hour": 5, "minute": 23}
